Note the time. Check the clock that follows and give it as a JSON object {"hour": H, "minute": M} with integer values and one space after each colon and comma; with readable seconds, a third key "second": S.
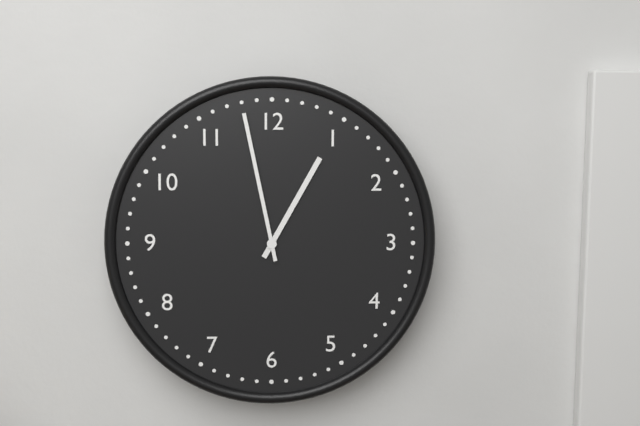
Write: {"hour": 12, "minute": 58}
